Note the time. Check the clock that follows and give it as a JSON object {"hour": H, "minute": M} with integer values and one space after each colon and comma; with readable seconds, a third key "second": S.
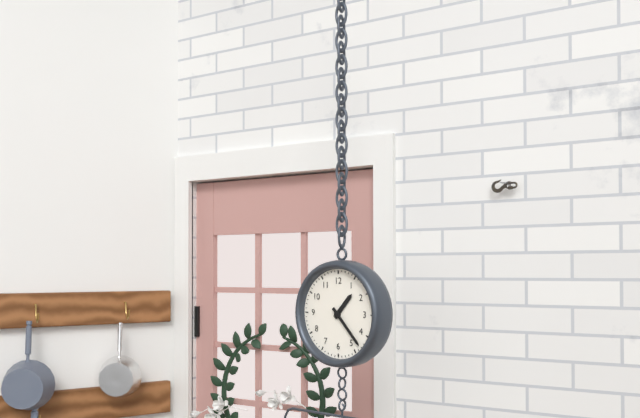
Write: {"hour": 1, "minute": 23}
